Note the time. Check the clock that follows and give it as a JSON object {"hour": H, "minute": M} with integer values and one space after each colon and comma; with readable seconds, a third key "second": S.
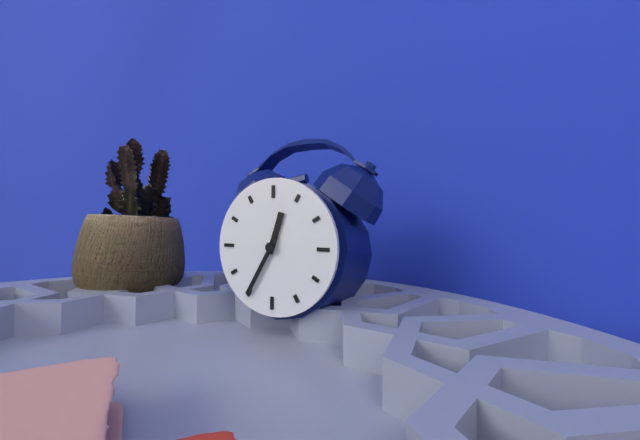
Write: {"hour": 12, "minute": 35}
